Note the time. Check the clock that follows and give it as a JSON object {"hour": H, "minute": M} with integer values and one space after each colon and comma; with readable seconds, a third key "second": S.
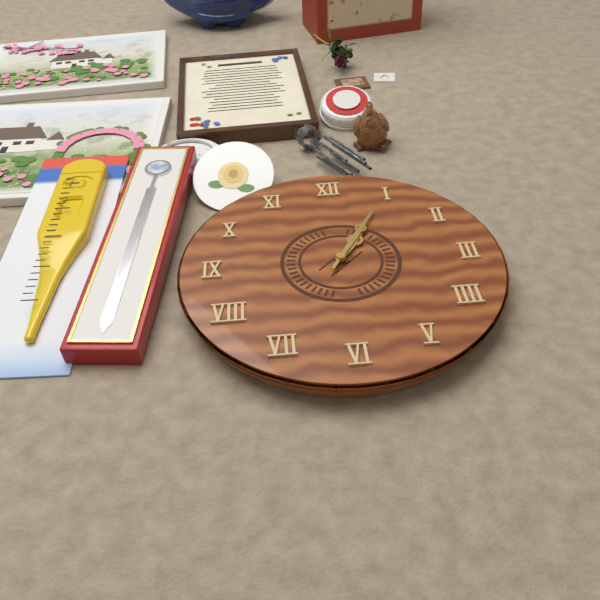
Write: {"hour": 1, "minute": 5}
